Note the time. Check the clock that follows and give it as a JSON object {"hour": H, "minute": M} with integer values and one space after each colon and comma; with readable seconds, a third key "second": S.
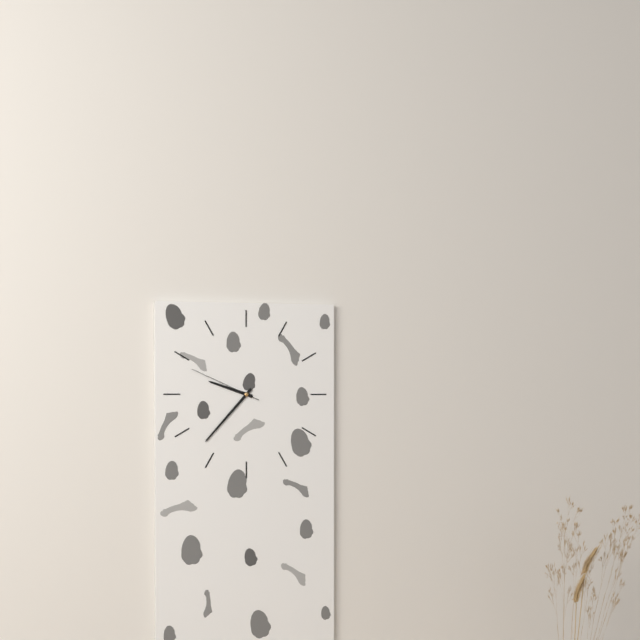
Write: {"hour": 9, "minute": 37, "second": 49}
